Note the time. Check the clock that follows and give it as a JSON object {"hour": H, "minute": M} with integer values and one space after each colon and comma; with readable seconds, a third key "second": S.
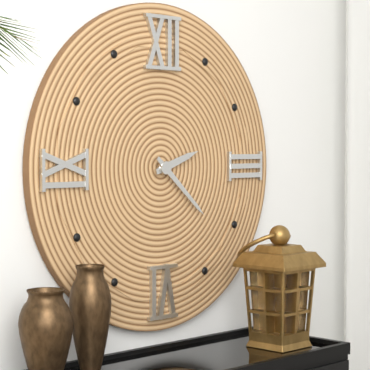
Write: {"hour": 2, "minute": 22}
